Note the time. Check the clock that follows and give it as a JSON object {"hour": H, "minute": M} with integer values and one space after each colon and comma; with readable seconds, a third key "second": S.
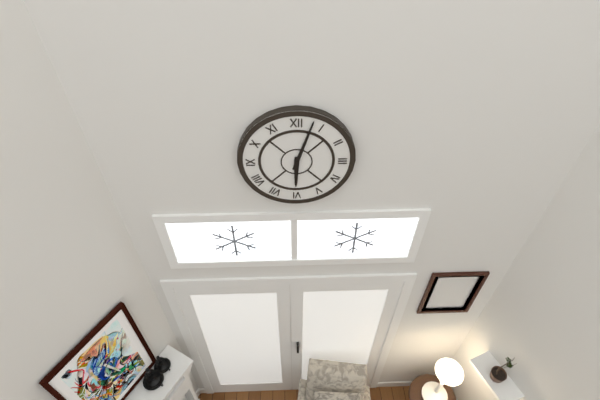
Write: {"hour": 6, "minute": 3}
